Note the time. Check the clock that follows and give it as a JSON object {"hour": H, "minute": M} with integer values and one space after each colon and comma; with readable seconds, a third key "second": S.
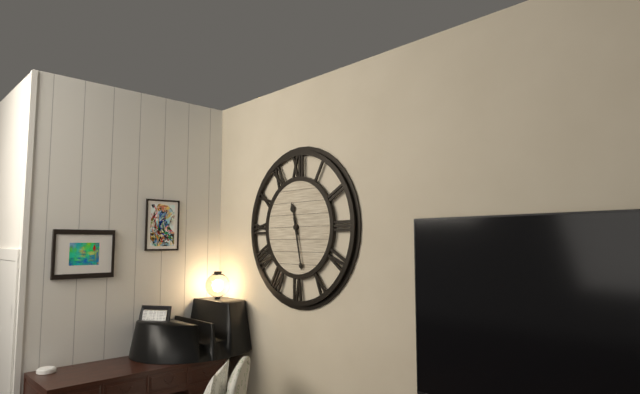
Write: {"hour": 11, "minute": 28}
